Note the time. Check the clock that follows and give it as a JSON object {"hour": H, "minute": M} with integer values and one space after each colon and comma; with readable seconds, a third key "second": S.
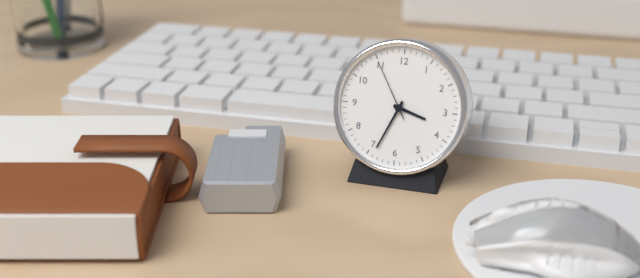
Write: {"hour": 3, "minute": 34, "second": 55}
